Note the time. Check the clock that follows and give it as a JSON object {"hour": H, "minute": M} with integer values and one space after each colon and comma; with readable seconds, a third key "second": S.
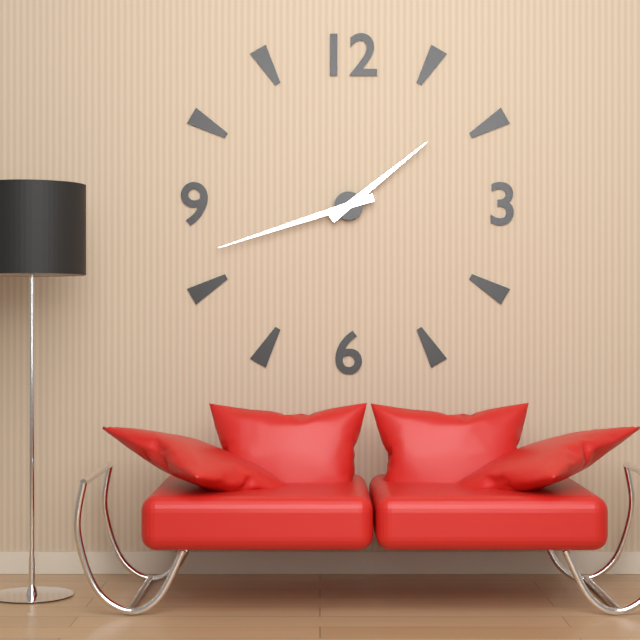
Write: {"hour": 1, "minute": 42}
